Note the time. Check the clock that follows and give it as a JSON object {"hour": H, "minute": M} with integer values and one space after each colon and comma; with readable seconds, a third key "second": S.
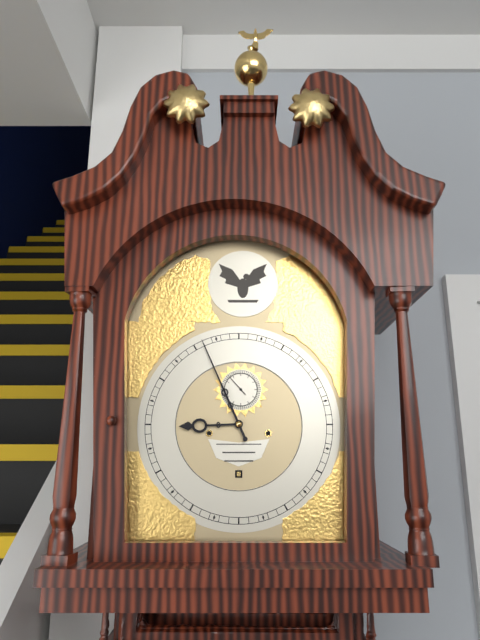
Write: {"hour": 8, "minute": 56}
